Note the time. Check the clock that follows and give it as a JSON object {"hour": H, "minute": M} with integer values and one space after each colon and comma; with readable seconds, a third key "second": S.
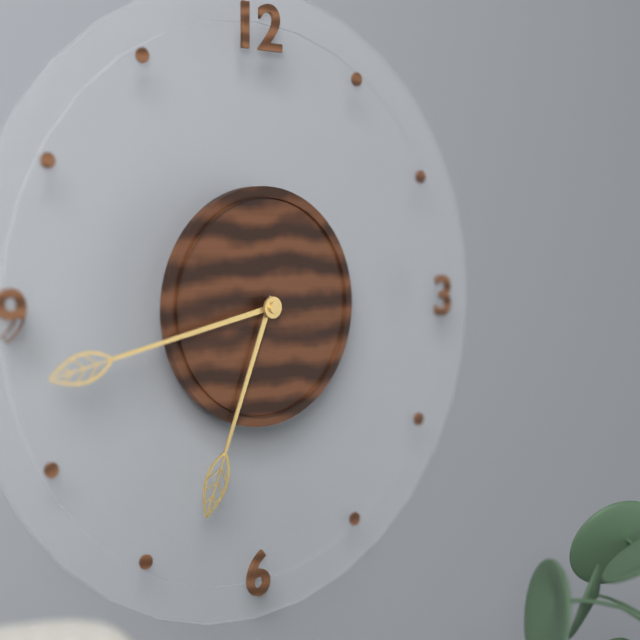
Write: {"hour": 6, "minute": 43}
